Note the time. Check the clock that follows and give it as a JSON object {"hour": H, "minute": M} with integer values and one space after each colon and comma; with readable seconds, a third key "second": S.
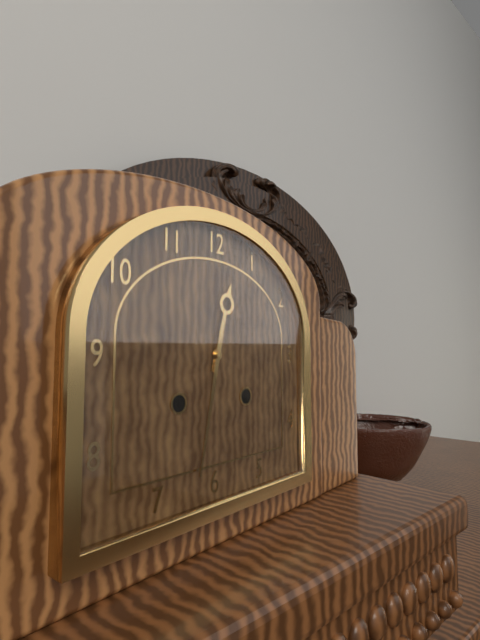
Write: {"hour": 12, "minute": 32}
